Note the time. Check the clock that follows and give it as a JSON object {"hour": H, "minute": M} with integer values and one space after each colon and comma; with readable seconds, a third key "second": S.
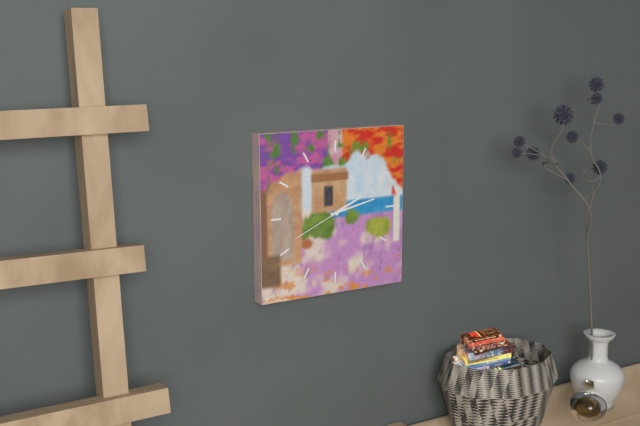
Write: {"hour": 2, "minute": 13, "second": 41}
